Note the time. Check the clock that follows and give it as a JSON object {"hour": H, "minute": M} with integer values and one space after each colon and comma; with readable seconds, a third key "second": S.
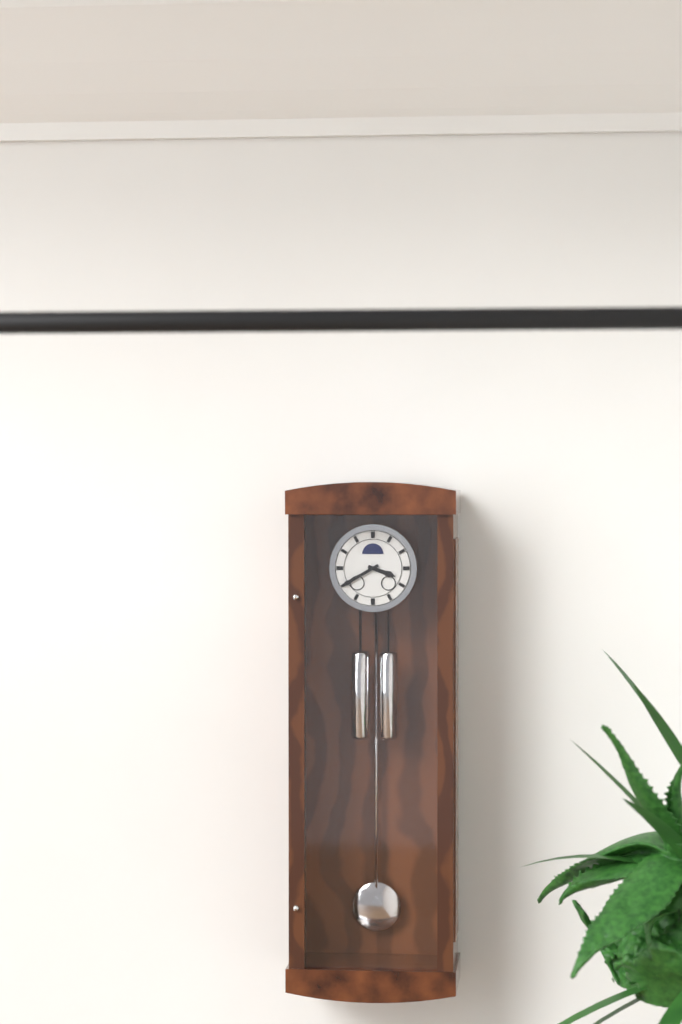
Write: {"hour": 3, "minute": 40}
